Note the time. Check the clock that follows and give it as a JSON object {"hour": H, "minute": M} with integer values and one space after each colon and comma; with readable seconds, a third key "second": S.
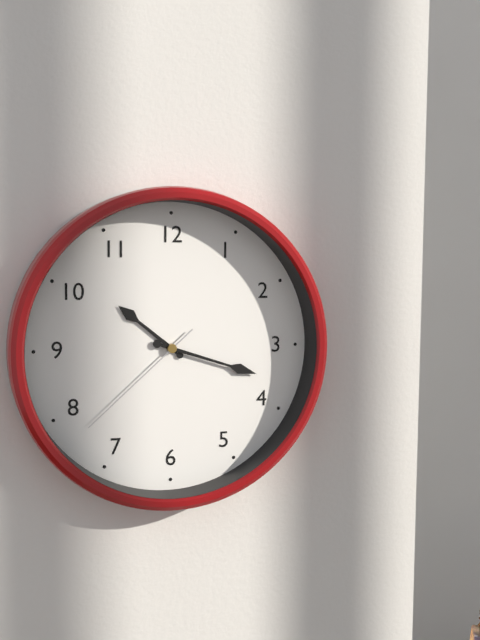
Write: {"hour": 10, "minute": 18, "second": 38}
